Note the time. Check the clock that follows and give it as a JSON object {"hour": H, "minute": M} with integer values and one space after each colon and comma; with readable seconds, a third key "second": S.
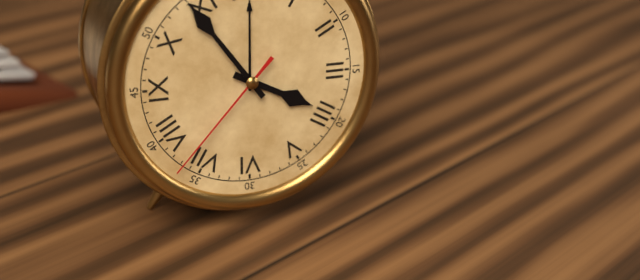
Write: {"hour": 3, "minute": 54, "second": 37}
